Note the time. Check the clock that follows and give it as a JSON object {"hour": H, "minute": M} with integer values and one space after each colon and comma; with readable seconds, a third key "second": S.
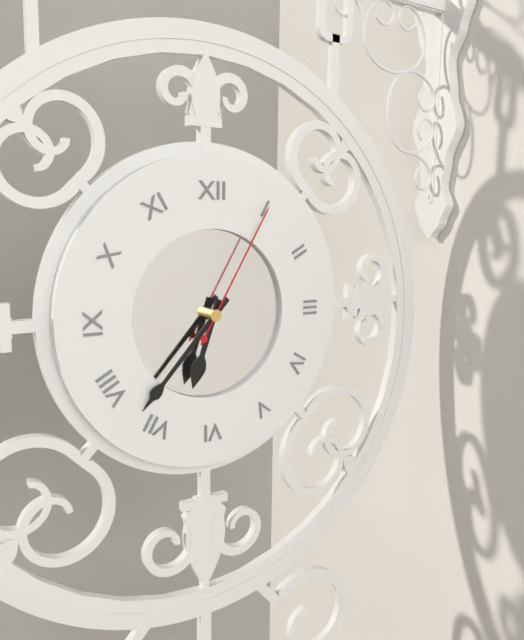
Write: {"hour": 6, "minute": 37, "second": 5}
